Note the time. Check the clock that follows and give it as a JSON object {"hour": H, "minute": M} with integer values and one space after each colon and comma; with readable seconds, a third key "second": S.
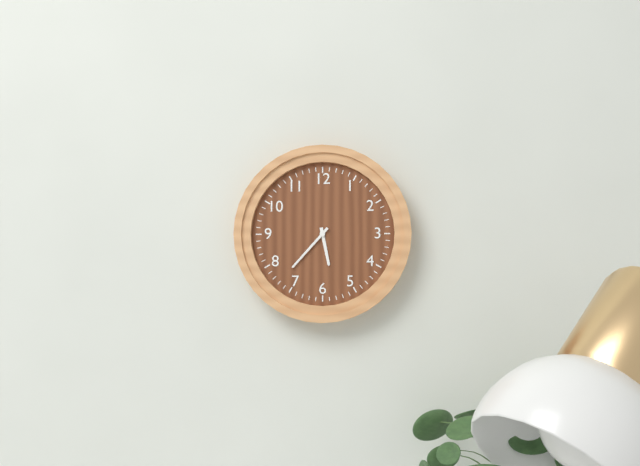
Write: {"hour": 5, "minute": 37}
